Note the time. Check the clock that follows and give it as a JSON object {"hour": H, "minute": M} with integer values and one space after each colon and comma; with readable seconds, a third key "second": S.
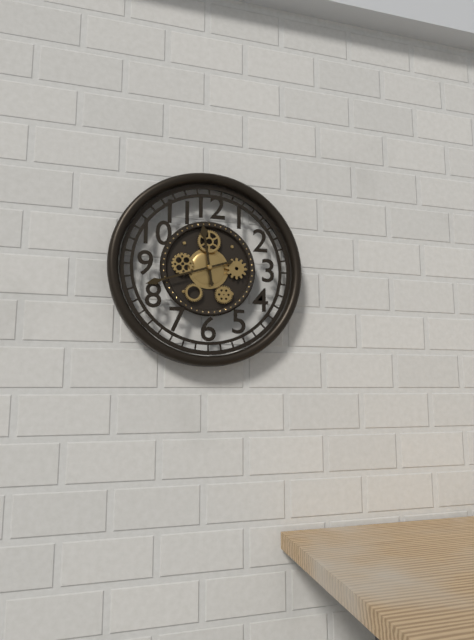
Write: {"hour": 11, "minute": 42}
